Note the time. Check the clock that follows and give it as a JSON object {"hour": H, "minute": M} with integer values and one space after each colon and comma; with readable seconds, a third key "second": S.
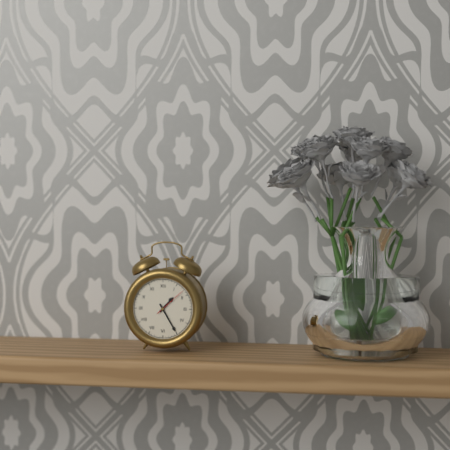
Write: {"hour": 1, "minute": 25}
